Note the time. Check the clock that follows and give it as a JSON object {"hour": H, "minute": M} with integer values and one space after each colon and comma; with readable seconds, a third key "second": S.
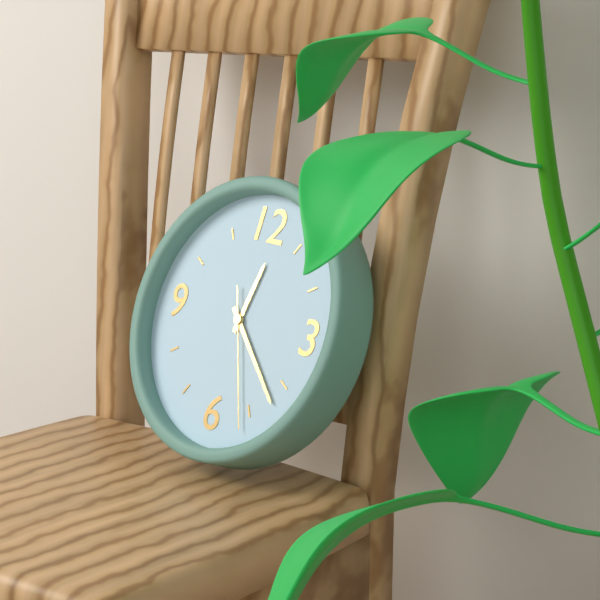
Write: {"hour": 12, "minute": 22, "second": 26}
